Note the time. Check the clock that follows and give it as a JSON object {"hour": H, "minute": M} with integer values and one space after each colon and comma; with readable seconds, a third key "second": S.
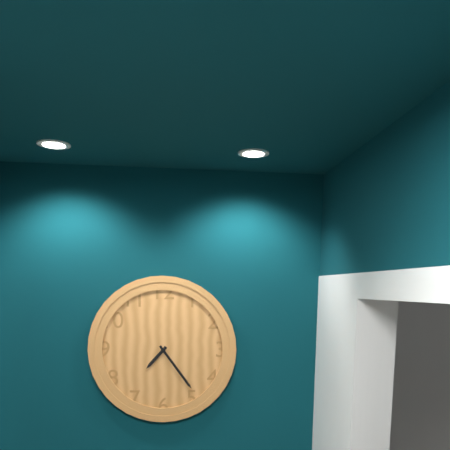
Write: {"hour": 7, "minute": 24}
